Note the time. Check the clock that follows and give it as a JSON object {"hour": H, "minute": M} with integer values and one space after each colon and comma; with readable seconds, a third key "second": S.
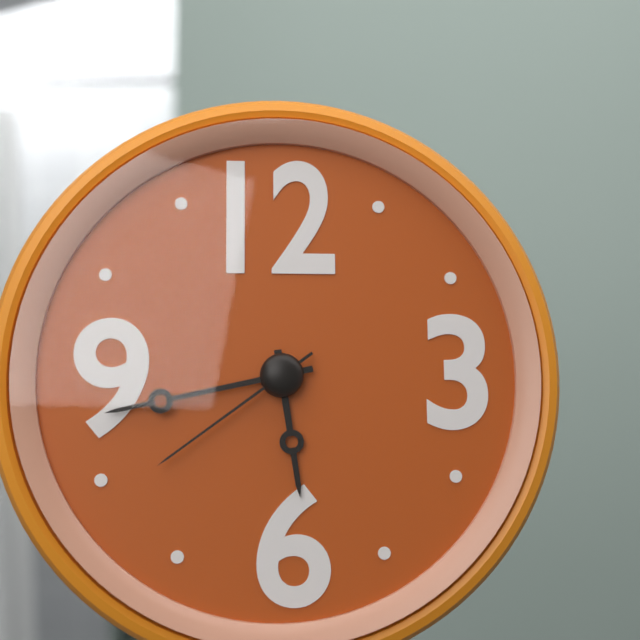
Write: {"hour": 5, "minute": 43, "second": 39}
